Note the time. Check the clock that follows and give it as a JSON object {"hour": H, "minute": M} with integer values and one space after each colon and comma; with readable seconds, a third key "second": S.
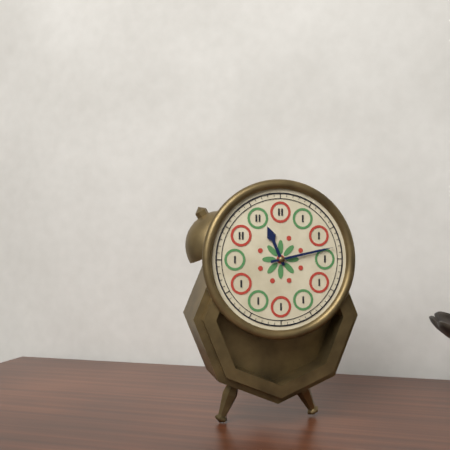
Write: {"hour": 11, "minute": 13}
